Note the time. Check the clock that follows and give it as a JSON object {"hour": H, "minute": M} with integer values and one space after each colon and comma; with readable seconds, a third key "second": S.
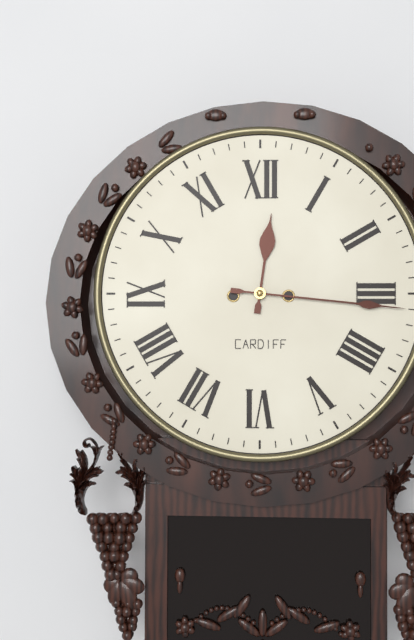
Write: {"hour": 12, "minute": 16}
